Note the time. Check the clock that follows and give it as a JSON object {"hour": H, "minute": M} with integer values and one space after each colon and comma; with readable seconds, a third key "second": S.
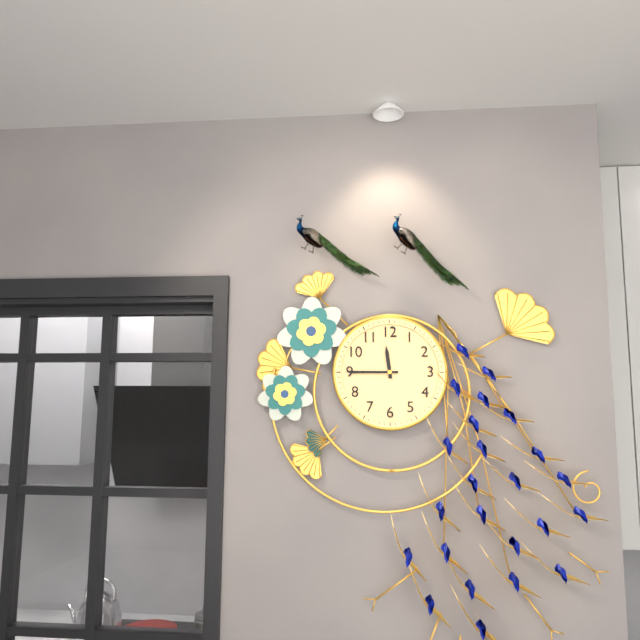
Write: {"hour": 11, "minute": 45}
